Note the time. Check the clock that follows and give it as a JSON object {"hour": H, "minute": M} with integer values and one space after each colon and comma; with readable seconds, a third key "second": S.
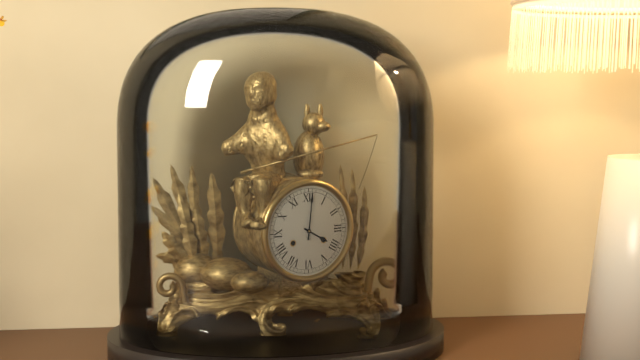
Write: {"hour": 4, "minute": 1}
